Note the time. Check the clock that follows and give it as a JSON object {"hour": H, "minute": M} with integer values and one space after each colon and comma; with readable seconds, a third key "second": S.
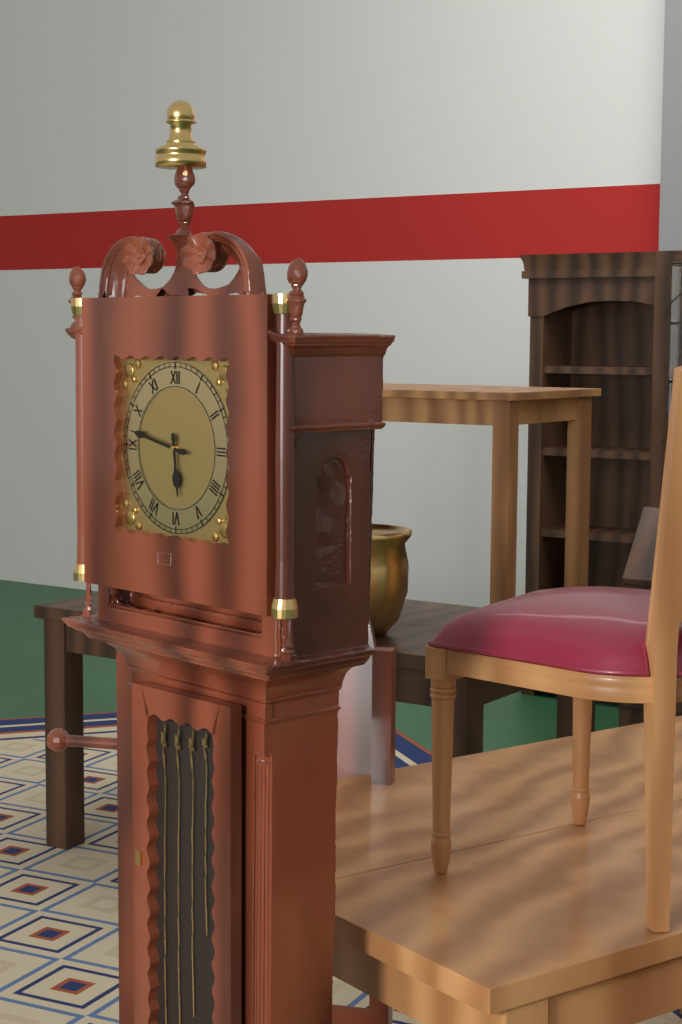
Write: {"hour": 5, "minute": 47}
